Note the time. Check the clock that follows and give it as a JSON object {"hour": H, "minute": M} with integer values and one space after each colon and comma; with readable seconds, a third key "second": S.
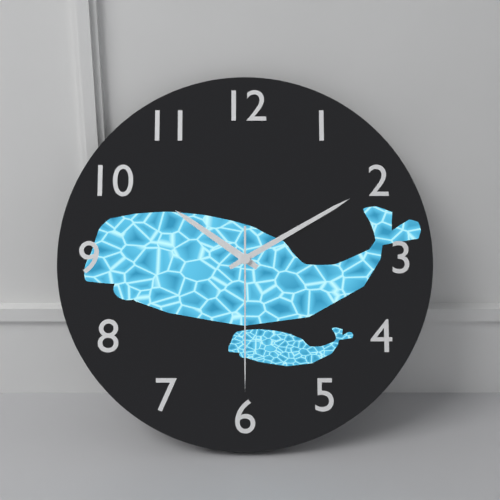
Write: {"hour": 10, "minute": 10, "second": 30}
